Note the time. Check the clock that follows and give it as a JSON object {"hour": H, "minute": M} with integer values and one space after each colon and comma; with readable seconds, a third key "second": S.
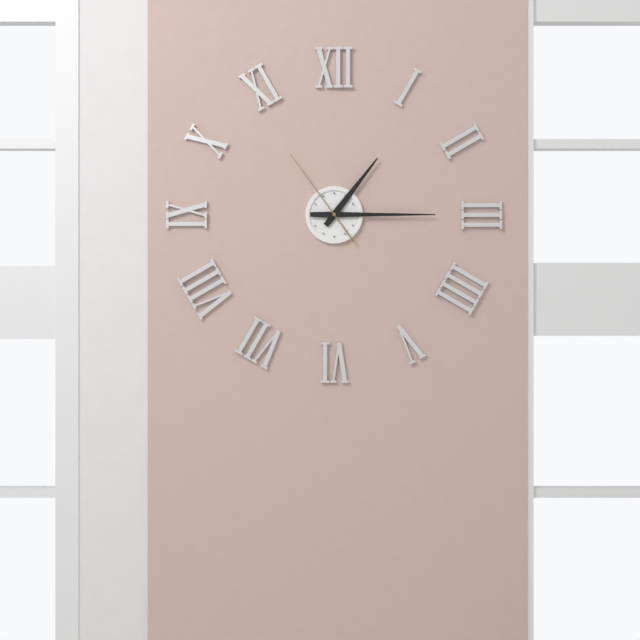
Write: {"hour": 1, "minute": 15, "second": 54}
